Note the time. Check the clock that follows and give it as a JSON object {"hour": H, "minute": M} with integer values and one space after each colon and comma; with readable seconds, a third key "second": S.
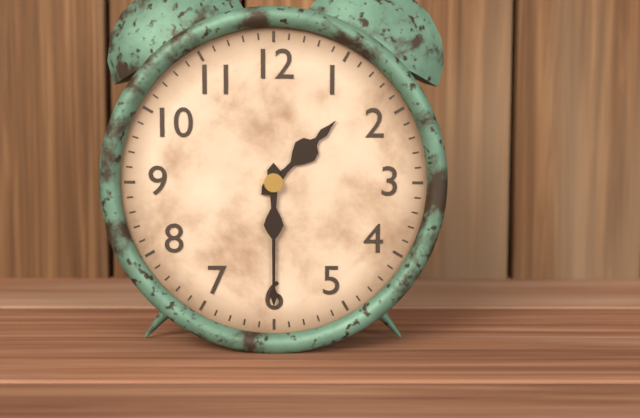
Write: {"hour": 1, "minute": 30}
